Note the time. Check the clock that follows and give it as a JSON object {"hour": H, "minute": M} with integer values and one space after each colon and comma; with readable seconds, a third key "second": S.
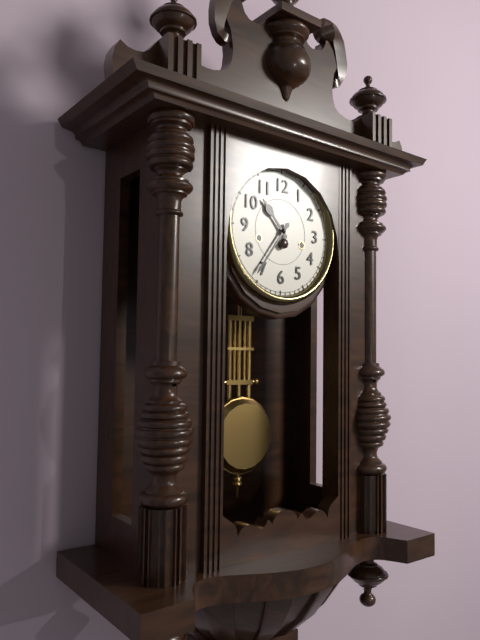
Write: {"hour": 10, "minute": 36}
